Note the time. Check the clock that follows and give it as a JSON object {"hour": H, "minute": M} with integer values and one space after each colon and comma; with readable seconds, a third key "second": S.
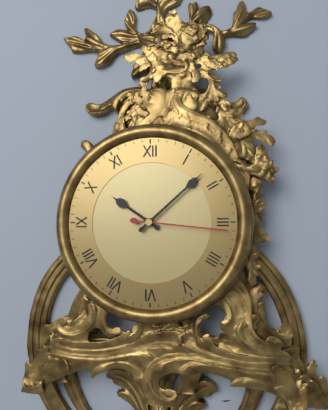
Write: {"hour": 10, "minute": 8, "second": 16}
